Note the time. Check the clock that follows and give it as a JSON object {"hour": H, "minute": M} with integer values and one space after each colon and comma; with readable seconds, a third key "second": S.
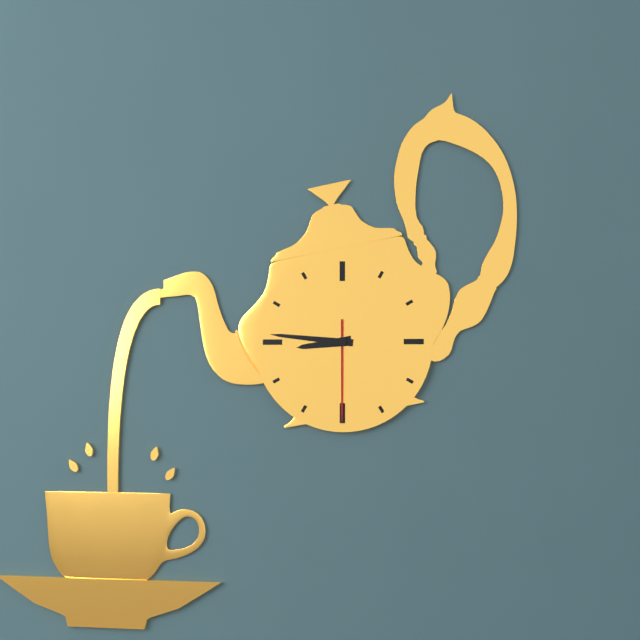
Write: {"hour": 8, "minute": 46, "second": 30}
